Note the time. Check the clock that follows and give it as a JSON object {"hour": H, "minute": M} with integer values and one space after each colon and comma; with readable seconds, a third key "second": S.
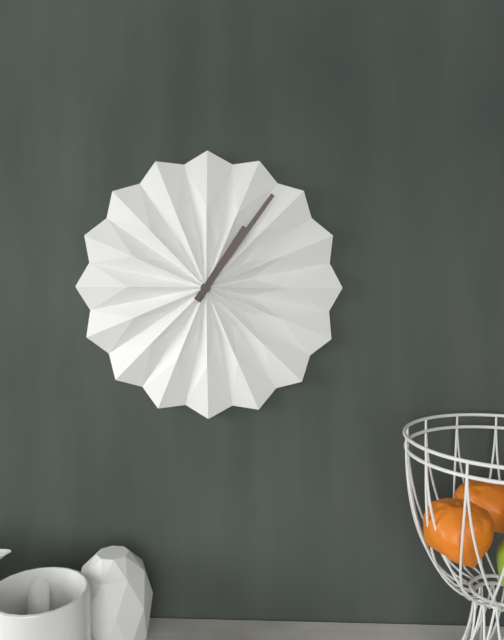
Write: {"hour": 1, "minute": 6}
